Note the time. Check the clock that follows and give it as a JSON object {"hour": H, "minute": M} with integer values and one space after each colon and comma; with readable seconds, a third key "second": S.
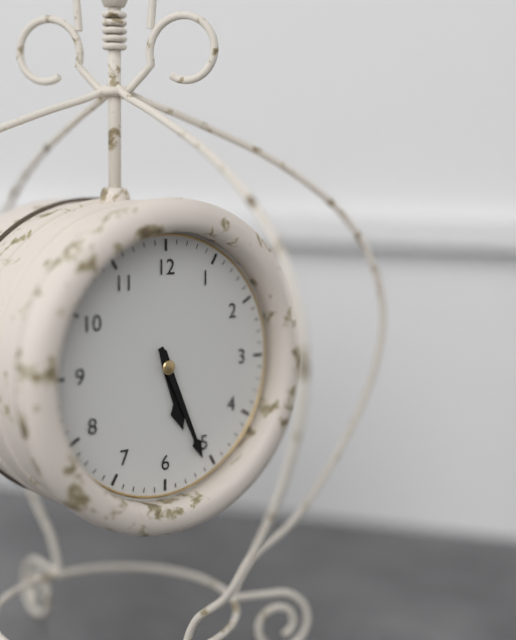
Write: {"hour": 5, "minute": 26}
